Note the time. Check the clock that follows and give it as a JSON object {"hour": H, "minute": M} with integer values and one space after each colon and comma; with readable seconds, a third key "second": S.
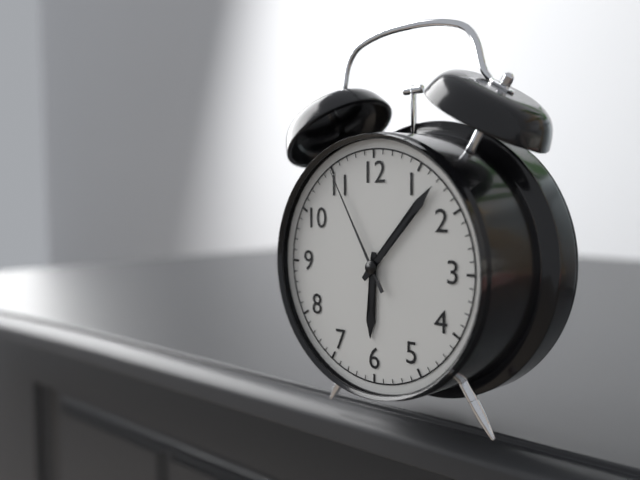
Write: {"hour": 6, "minute": 7, "second": 55}
